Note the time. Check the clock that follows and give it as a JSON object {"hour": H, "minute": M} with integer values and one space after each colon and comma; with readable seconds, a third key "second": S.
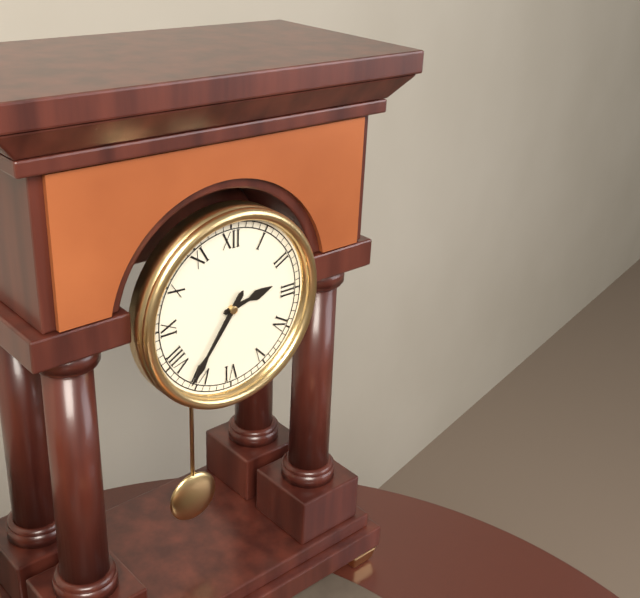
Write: {"hour": 2, "minute": 36}
